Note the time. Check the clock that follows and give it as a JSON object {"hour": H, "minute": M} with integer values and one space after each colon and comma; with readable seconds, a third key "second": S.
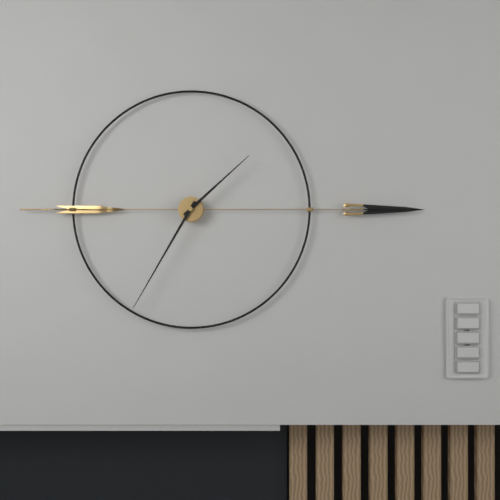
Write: {"hour": 1, "minute": 35}
